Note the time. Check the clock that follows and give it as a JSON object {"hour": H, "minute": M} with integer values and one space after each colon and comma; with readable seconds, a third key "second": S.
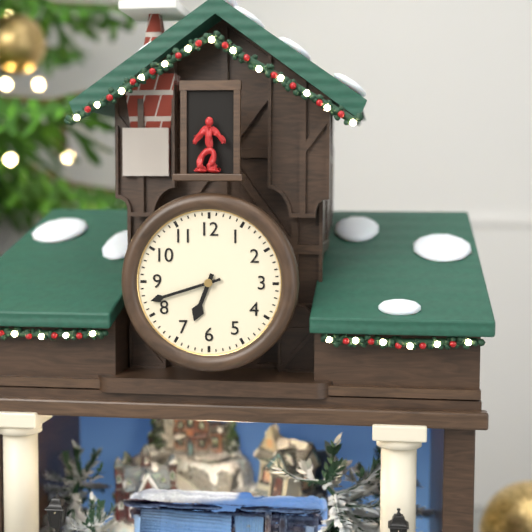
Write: {"hour": 6, "minute": 42}
